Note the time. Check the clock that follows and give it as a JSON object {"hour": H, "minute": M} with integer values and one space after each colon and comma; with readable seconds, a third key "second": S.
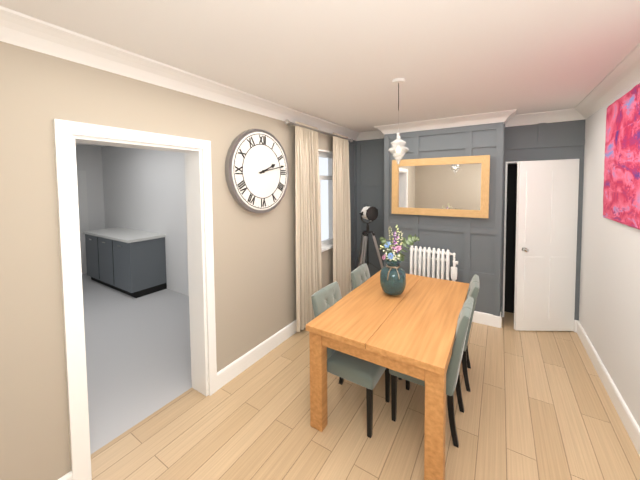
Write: {"hour": 2, "minute": 13}
